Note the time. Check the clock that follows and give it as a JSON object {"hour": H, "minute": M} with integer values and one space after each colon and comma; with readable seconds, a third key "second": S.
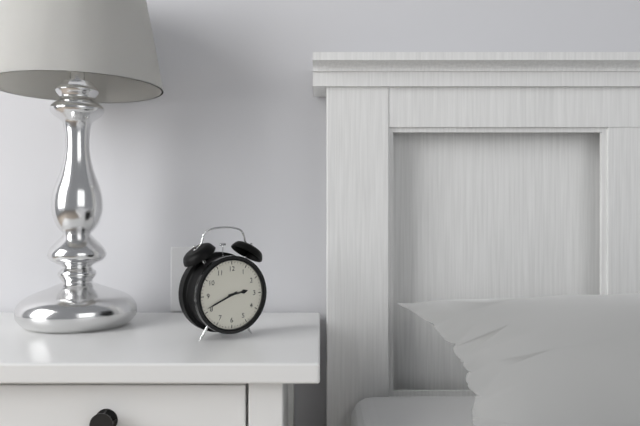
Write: {"hour": 2, "minute": 41}
